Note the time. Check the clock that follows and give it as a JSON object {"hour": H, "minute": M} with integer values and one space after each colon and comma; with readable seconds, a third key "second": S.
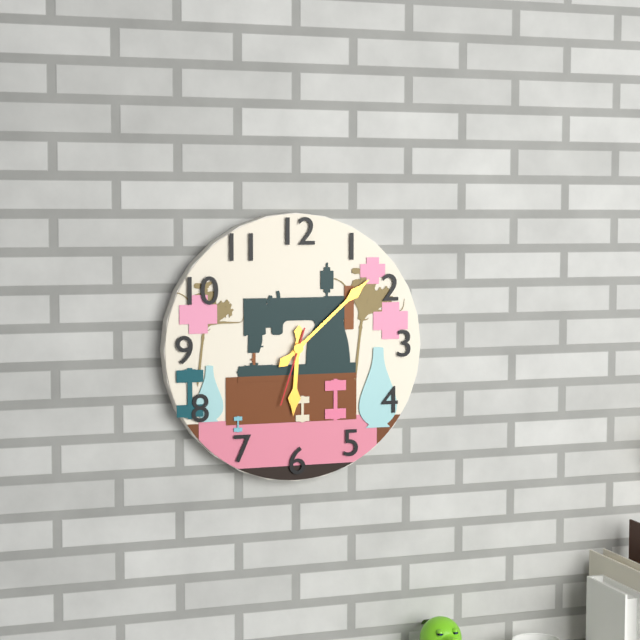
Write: {"hour": 6, "minute": 8, "second": 33}
